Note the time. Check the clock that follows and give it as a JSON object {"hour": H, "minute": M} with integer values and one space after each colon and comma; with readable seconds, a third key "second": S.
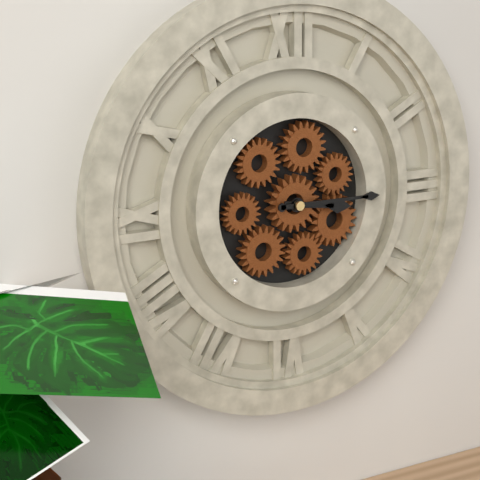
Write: {"hour": 3, "minute": 15}
